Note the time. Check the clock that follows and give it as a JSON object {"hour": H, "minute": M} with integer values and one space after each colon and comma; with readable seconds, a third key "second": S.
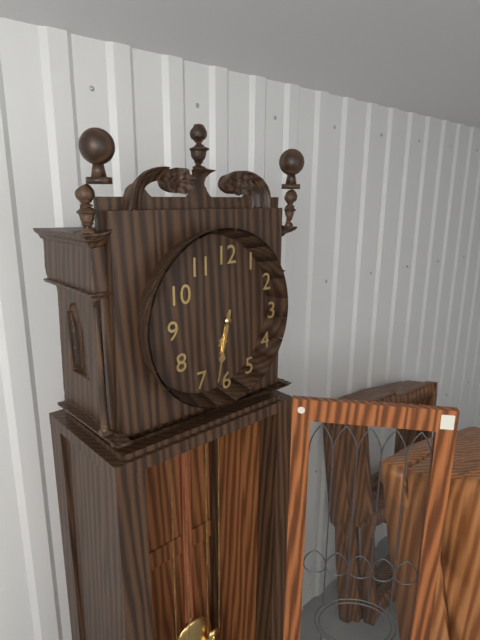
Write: {"hour": 6, "minute": 32}
